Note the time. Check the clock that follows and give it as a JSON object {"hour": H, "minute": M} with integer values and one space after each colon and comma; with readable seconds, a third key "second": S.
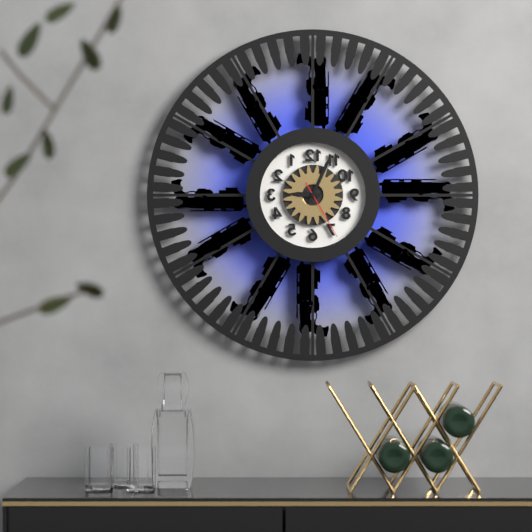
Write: {"hour": 9, "minute": 4, "second": 25}
